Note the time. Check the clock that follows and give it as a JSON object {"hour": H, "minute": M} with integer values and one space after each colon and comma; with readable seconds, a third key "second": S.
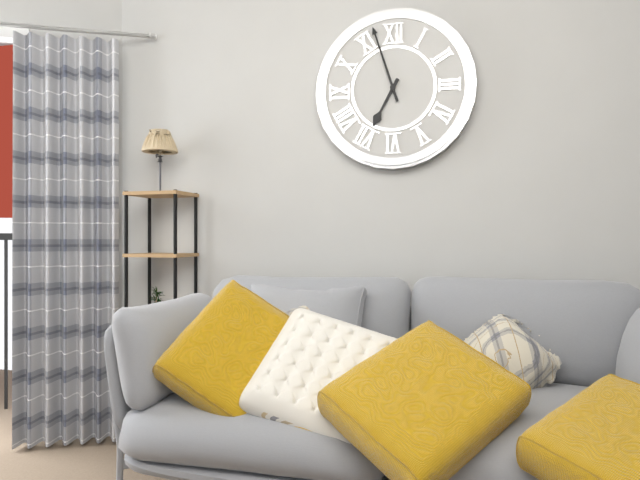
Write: {"hour": 6, "minute": 57}
